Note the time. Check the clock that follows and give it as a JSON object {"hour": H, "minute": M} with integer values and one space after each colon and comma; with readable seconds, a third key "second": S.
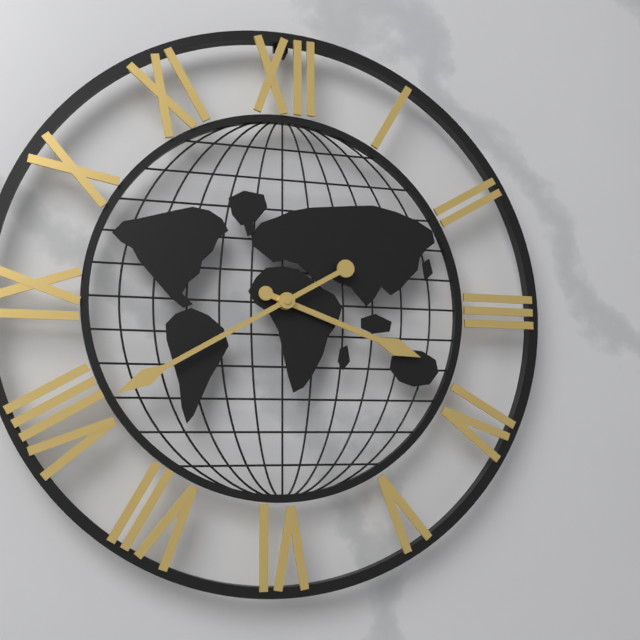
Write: {"hour": 3, "minute": 40}
